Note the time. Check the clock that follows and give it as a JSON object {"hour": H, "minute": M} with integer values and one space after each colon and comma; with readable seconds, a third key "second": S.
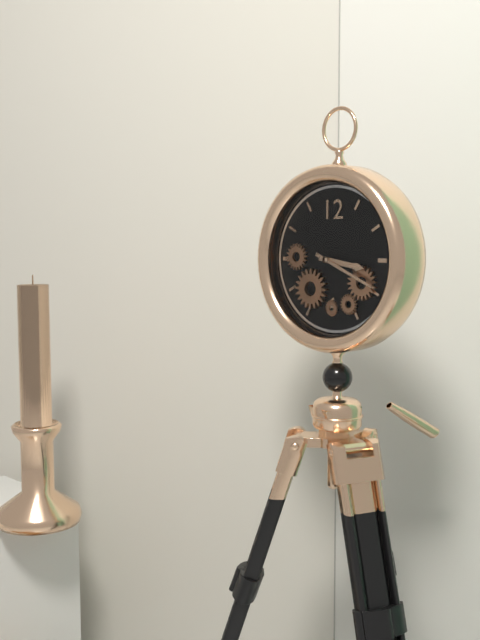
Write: {"hour": 3, "minute": 19}
